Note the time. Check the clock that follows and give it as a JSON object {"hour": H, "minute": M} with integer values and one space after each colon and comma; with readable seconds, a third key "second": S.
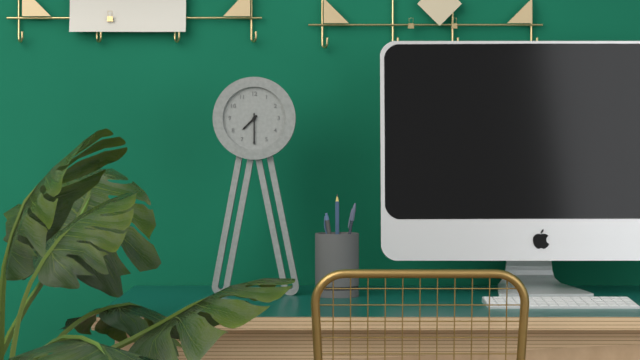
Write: {"hour": 7, "minute": 30}
